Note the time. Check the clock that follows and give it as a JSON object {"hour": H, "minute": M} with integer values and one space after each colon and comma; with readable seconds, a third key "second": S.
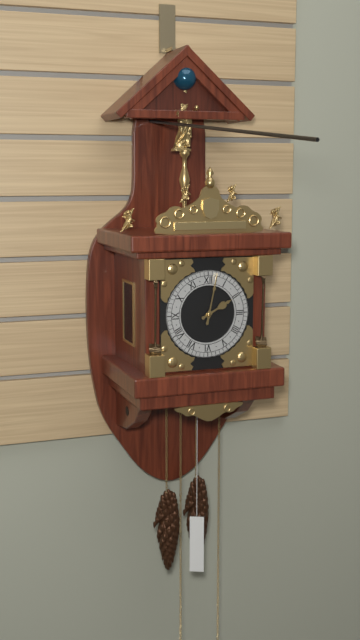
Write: {"hour": 2, "minute": 2}
